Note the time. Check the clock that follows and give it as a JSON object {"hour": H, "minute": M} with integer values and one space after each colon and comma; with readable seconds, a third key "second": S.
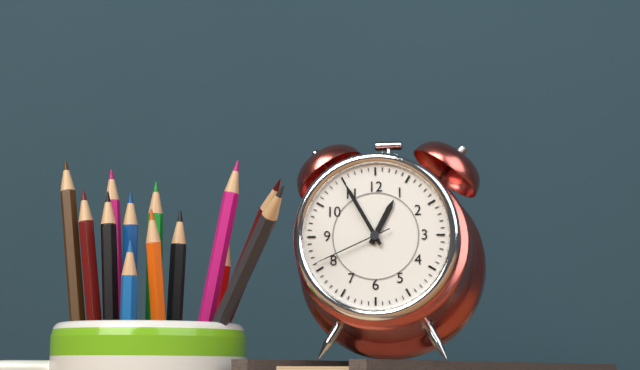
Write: {"hour": 12, "minute": 55, "second": 41}
